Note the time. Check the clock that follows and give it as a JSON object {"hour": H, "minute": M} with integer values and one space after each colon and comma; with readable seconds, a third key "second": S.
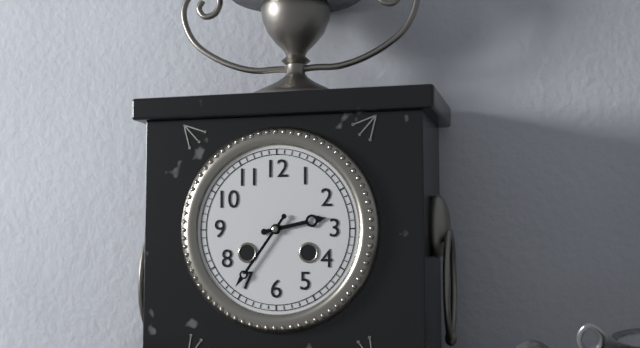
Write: {"hour": 2, "minute": 36}
